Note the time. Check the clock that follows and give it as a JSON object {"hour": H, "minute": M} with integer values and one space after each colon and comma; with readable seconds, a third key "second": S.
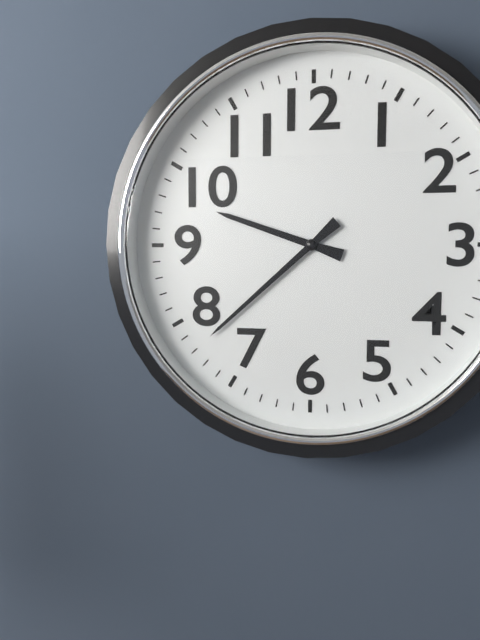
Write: {"hour": 9, "minute": 38}
